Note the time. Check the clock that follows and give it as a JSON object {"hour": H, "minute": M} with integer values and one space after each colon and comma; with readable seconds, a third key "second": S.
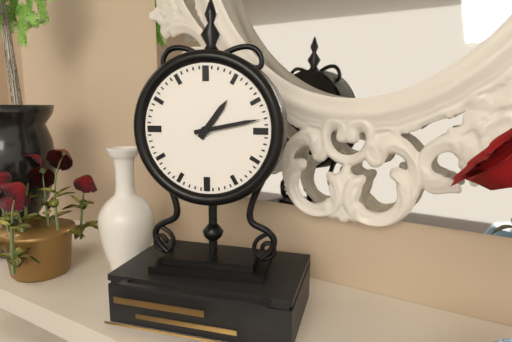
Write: {"hour": 1, "minute": 13}
